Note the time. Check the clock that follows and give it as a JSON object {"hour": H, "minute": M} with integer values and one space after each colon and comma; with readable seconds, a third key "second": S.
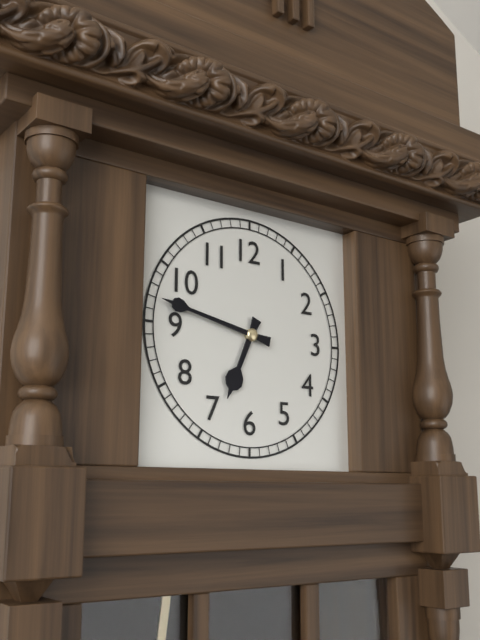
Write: {"hour": 6, "minute": 47}
